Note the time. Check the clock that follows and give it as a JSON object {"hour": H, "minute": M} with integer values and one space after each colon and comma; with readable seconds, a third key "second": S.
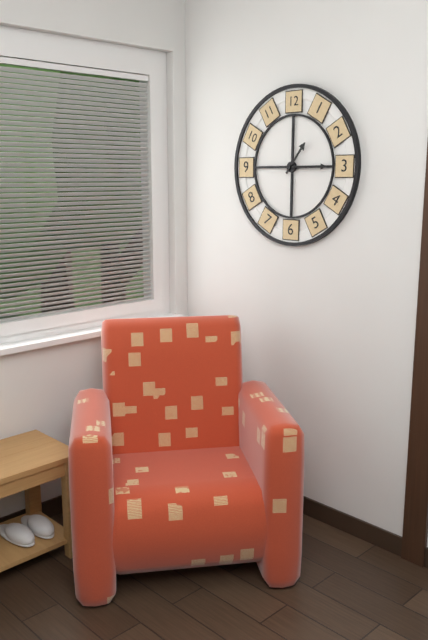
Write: {"hour": 1, "minute": 15}
